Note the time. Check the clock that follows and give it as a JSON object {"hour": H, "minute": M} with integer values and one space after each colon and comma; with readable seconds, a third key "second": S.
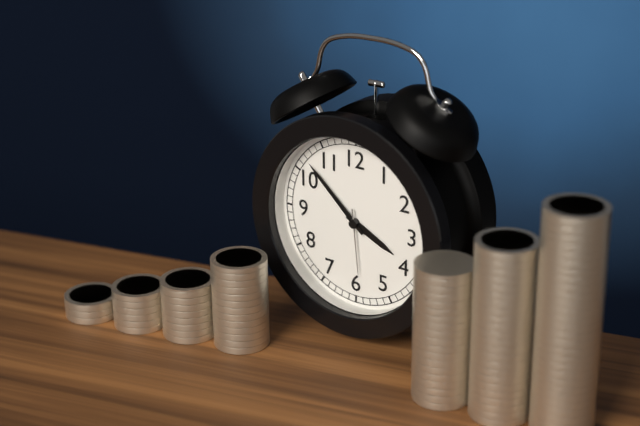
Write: {"hour": 3, "minute": 52, "second": 29}
